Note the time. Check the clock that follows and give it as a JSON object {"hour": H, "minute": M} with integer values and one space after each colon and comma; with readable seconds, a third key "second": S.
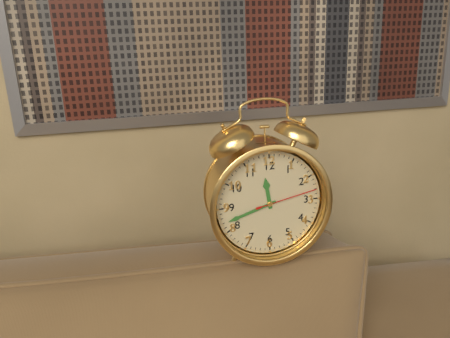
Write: {"hour": 11, "minute": 42, "second": 13}
